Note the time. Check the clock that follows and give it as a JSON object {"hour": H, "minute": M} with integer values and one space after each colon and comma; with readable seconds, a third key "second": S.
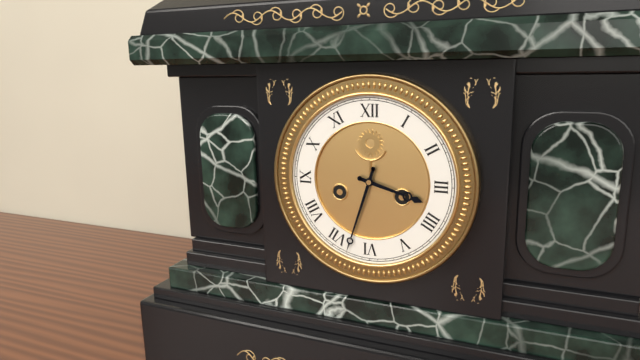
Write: {"hour": 3, "minute": 33}
